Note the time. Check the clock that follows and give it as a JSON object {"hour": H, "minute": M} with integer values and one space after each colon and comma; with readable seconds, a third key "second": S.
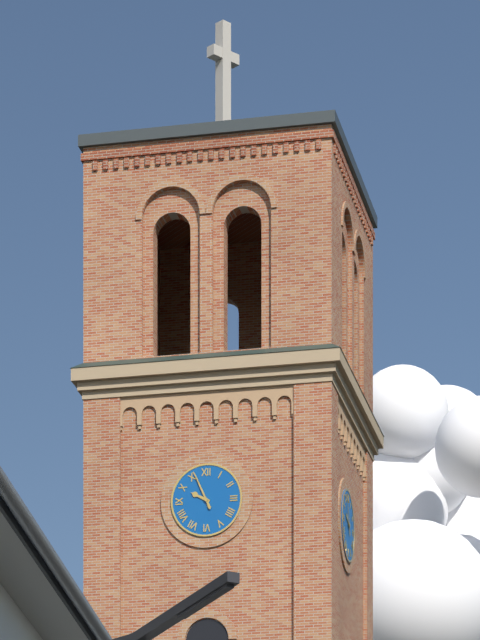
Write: {"hour": 9, "minute": 56}
